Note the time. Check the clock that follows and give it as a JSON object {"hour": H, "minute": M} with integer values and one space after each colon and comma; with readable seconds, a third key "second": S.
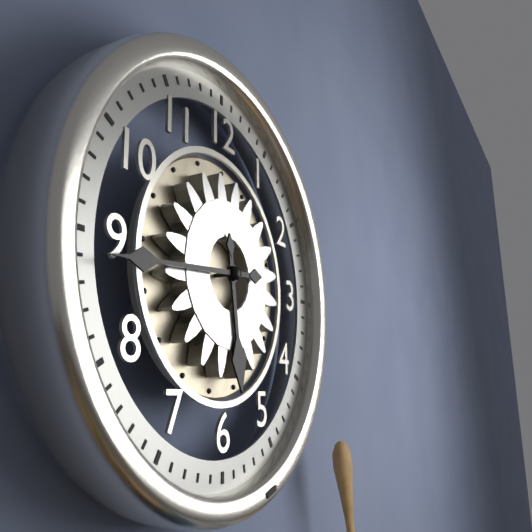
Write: {"hour": 5, "minute": 44}
